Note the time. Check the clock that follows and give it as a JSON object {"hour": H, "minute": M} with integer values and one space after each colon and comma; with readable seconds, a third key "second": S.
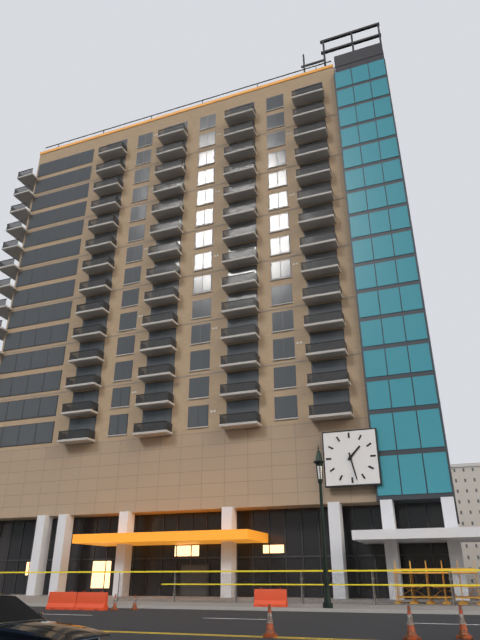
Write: {"hour": 1, "minute": 28}
